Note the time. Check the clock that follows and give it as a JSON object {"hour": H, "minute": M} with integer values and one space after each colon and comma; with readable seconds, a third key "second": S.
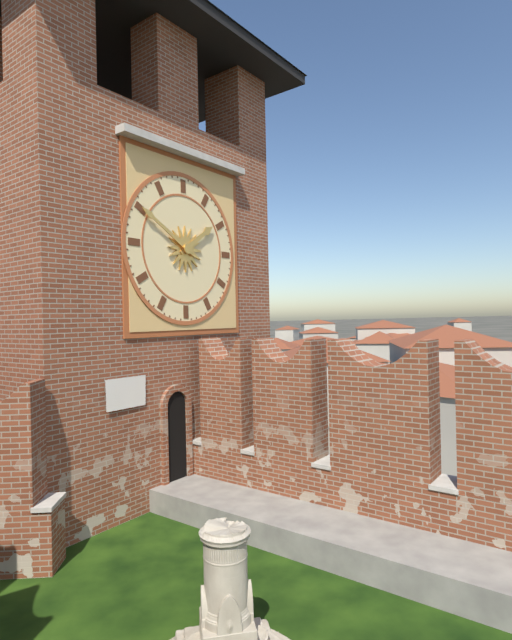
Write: {"hour": 1, "minute": 50}
